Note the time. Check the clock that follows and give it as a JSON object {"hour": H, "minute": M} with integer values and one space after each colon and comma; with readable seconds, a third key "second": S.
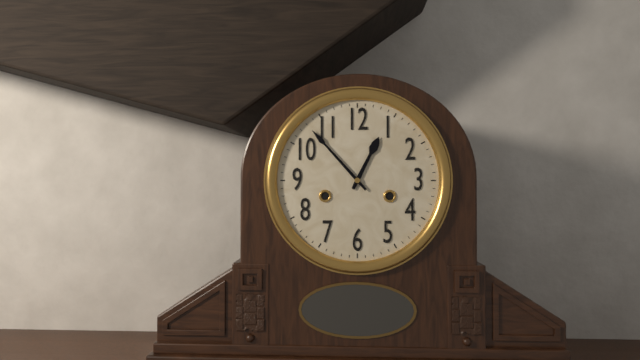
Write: {"hour": 12, "minute": 53}
